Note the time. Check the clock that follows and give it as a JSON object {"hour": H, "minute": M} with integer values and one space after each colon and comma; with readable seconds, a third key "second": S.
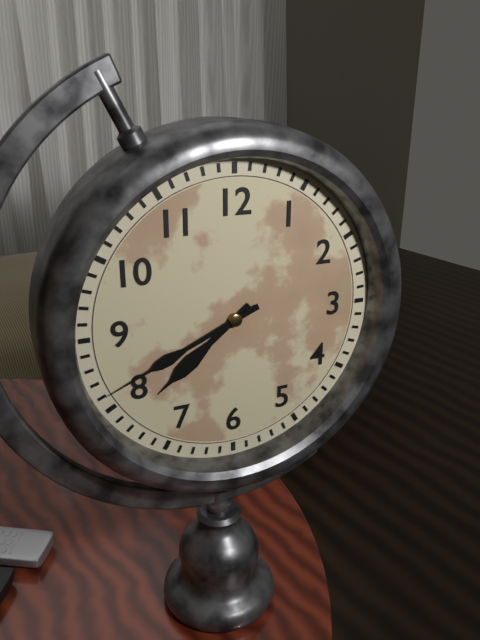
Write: {"hour": 7, "minute": 41}
